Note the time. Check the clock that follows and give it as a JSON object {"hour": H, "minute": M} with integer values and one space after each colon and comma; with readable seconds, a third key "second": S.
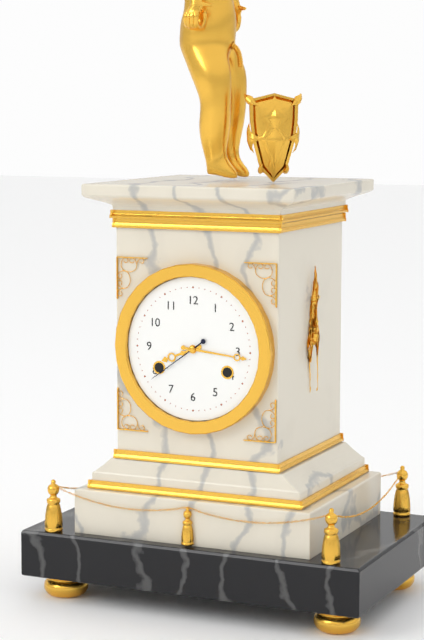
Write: {"hour": 8, "minute": 16, "second": 39}
